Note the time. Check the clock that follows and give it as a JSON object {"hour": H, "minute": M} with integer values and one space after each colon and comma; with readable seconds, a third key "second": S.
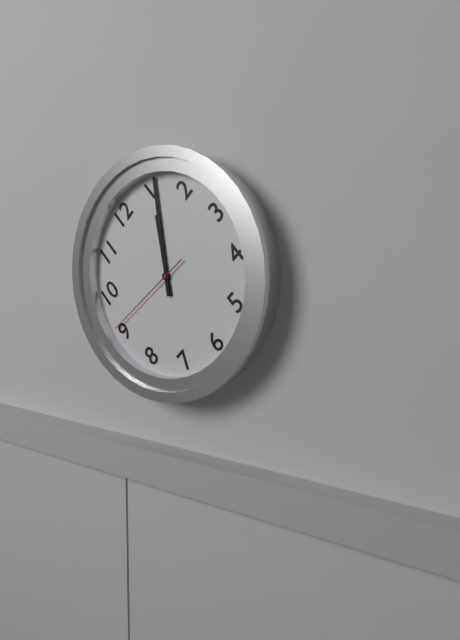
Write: {"hour": 1, "minute": 6, "second": 46}
